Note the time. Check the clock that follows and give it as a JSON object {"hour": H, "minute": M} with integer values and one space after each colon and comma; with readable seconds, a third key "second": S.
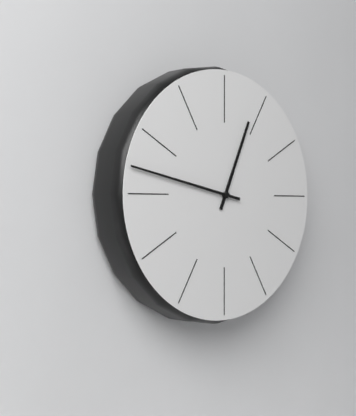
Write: {"hour": 12, "minute": 47}
